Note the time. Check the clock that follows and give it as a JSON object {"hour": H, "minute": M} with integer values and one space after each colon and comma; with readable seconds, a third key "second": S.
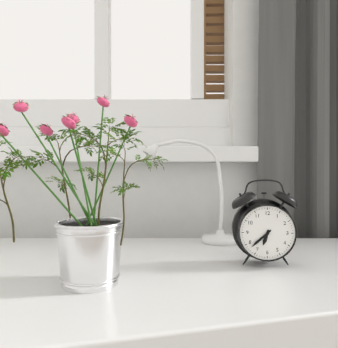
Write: {"hour": 6, "minute": 38}
